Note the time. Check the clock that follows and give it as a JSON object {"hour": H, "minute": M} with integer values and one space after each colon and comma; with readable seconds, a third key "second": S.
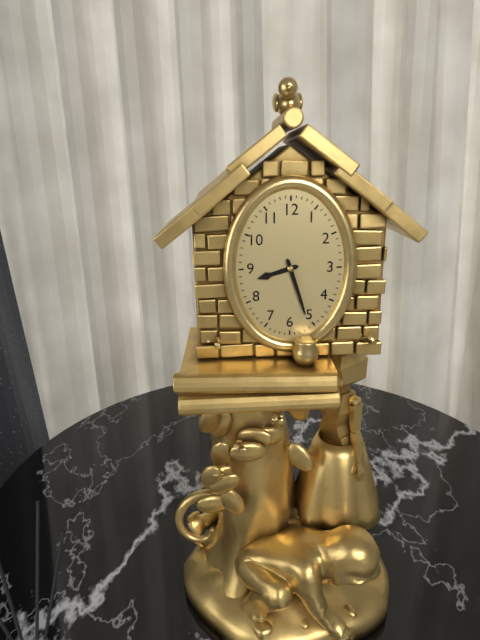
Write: {"hour": 8, "minute": 27}
